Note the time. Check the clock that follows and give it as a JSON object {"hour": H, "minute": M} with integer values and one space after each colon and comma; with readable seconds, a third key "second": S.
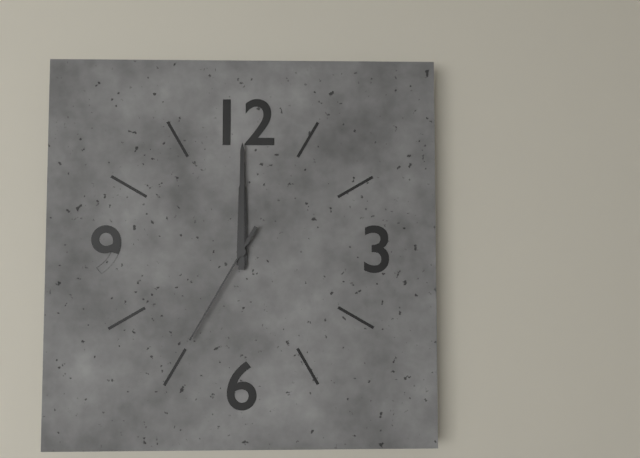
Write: {"hour": 12, "minute": 0, "second": 35}
